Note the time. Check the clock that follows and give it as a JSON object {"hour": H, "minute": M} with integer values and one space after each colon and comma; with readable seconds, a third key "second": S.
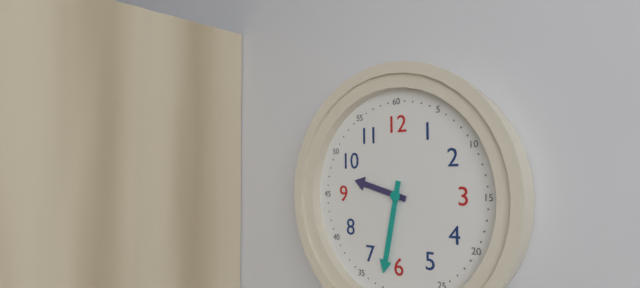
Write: {"hour": 9, "minute": 32}
